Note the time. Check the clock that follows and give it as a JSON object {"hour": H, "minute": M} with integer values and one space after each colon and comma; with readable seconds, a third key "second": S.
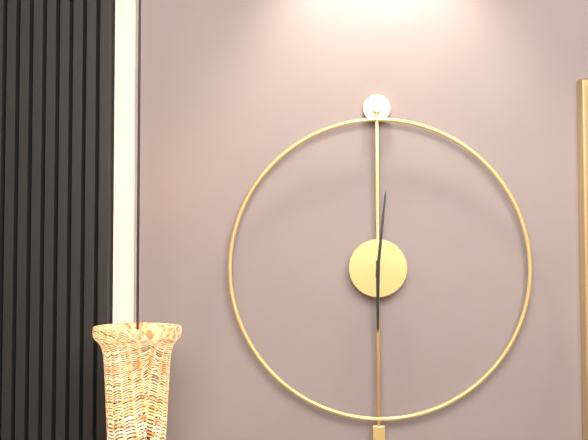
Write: {"hour": 6, "minute": 1}
